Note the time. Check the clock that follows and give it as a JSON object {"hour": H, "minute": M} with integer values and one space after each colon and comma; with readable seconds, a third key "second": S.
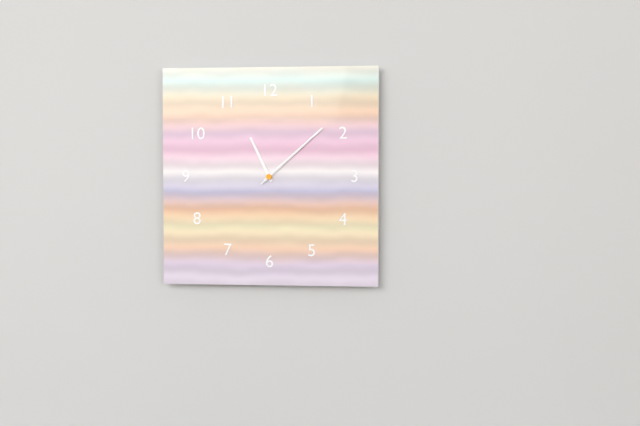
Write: {"hour": 11, "minute": 8, "second": 8}
